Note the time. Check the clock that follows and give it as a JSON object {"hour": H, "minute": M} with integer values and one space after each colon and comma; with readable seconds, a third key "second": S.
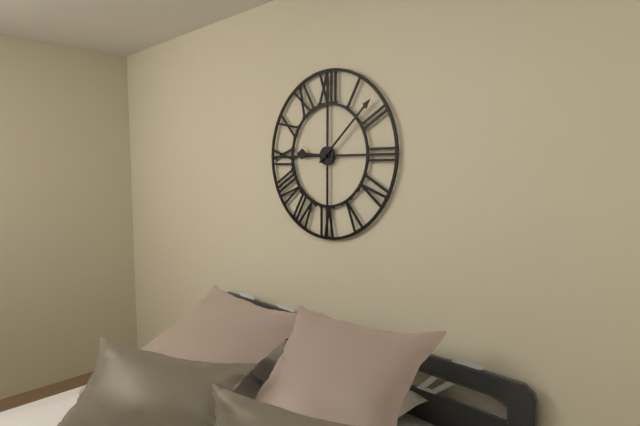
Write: {"hour": 9, "minute": 8}
